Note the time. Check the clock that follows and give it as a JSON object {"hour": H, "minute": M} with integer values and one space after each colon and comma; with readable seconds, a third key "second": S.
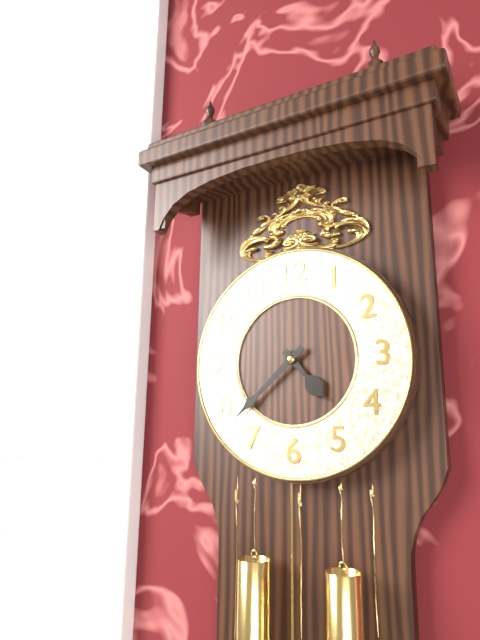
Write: {"hour": 4, "minute": 38}
